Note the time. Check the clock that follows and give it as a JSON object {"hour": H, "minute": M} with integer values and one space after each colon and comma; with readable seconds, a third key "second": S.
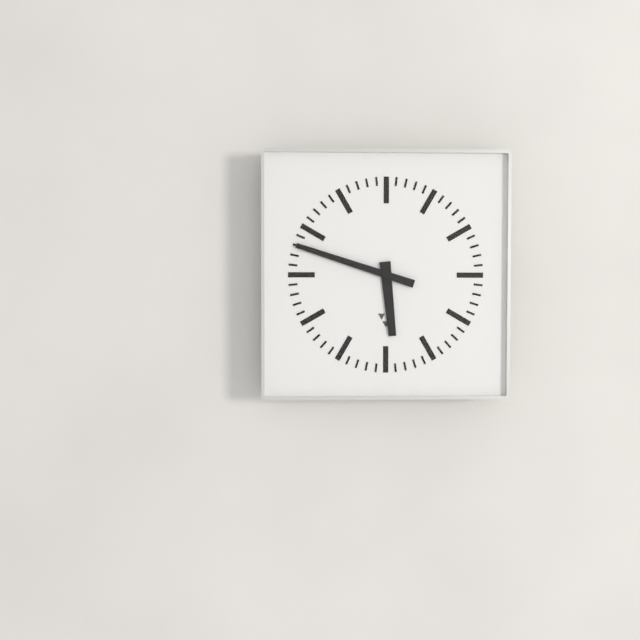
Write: {"hour": 5, "minute": 48}
